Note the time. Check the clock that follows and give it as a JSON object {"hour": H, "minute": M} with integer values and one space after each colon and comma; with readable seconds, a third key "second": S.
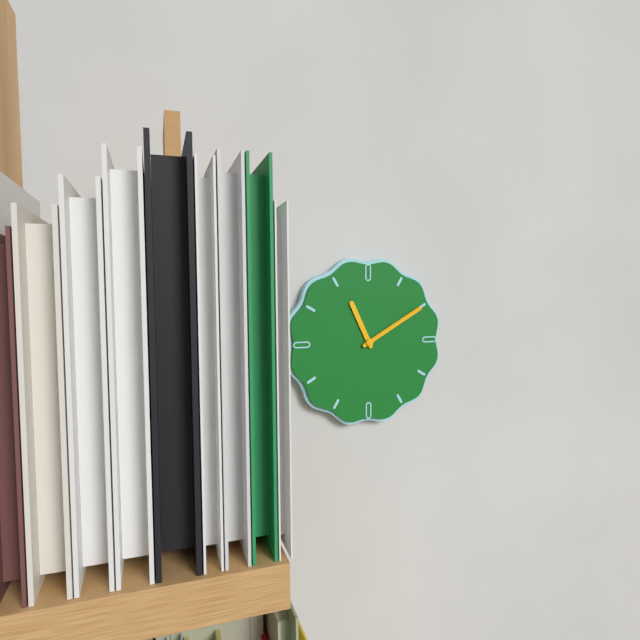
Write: {"hour": 11, "minute": 10, "second": 10}
